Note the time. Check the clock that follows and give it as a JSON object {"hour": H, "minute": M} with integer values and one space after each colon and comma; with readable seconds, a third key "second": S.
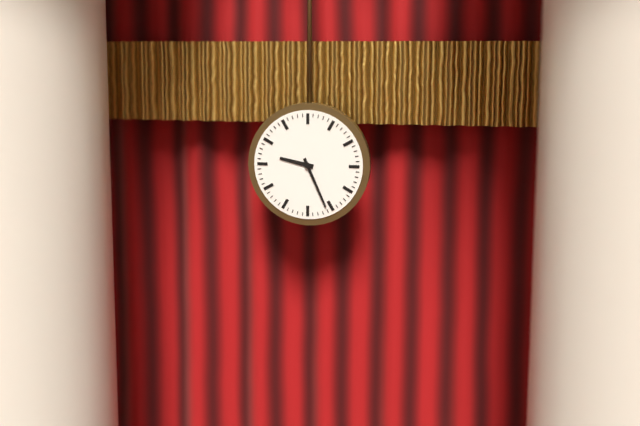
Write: {"hour": 9, "minute": 26}
